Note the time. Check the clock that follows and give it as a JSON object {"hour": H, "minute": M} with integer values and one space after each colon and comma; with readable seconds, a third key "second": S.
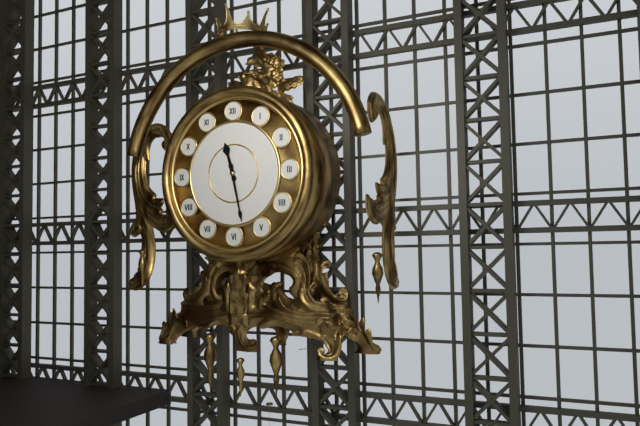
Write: {"hour": 11, "minute": 28}
